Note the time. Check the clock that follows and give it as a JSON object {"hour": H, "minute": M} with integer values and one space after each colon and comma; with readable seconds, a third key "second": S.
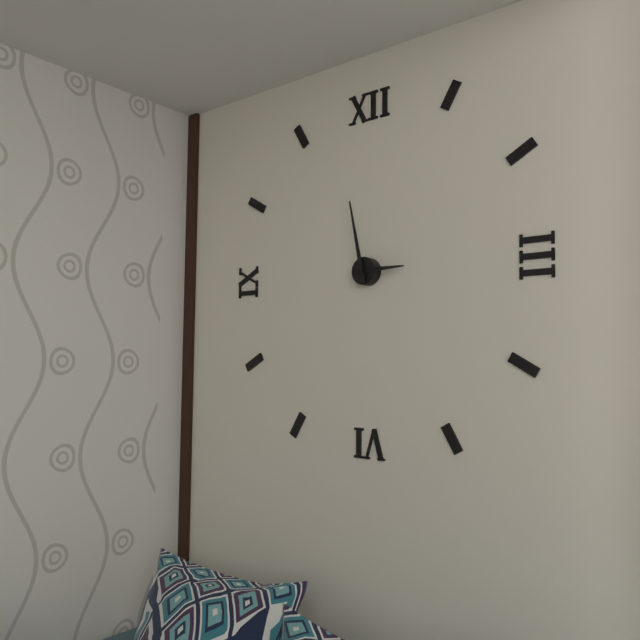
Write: {"hour": 2, "minute": 58}
